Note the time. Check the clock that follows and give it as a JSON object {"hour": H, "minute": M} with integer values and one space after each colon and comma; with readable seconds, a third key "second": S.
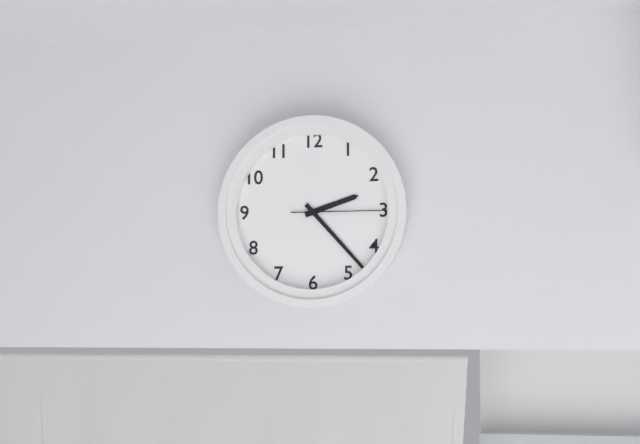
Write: {"hour": 2, "minute": 23, "second": 15}
